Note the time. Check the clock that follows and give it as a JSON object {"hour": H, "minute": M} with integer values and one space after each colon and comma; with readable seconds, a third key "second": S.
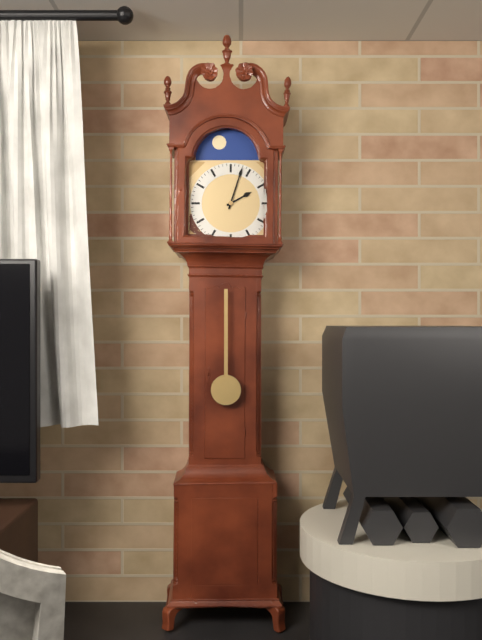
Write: {"hour": 2, "minute": 3}
